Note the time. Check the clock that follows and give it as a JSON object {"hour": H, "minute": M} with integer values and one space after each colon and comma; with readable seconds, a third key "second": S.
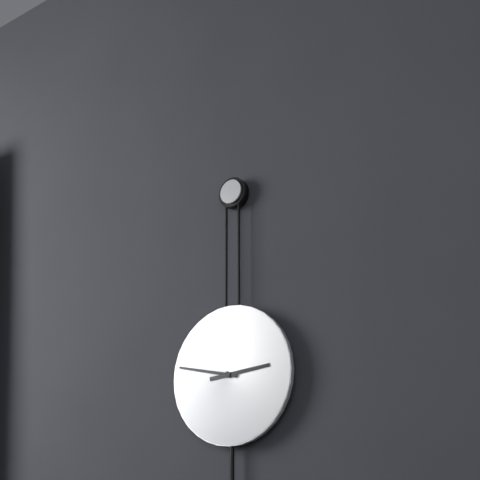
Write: {"hour": 2, "minute": 47}
